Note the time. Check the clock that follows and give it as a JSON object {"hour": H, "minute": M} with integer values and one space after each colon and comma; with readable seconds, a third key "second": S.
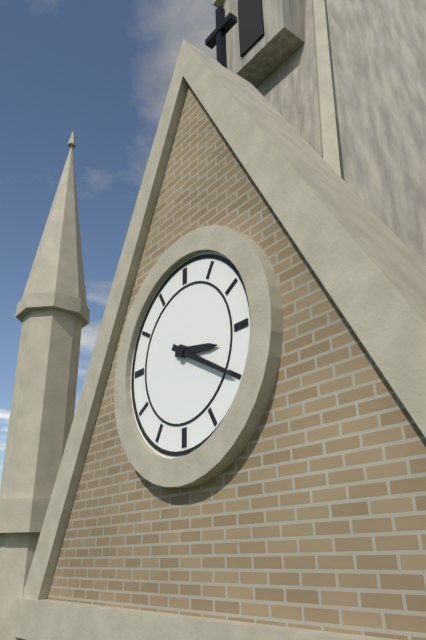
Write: {"hour": 3, "minute": 20}
